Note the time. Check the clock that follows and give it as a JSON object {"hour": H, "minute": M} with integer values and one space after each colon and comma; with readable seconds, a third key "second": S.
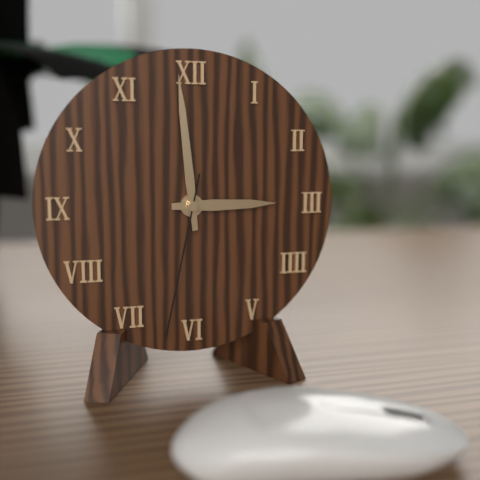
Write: {"hour": 2, "minute": 59, "second": 32}
